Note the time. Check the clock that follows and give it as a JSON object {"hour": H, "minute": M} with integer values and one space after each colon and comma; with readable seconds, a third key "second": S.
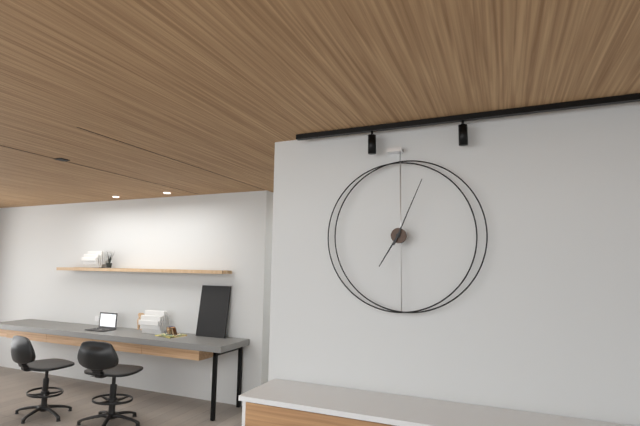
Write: {"hour": 7, "minute": 4}
